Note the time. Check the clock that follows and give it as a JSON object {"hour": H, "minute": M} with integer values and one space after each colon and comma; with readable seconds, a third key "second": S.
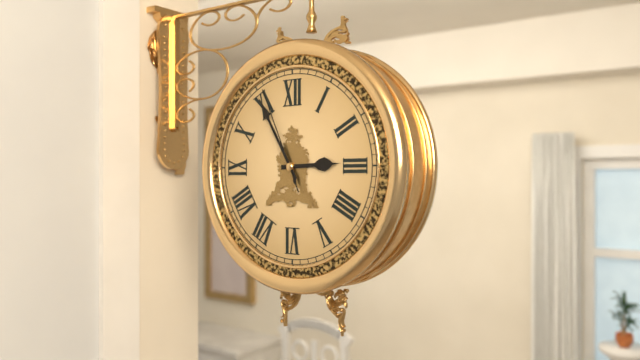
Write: {"hour": 2, "minute": 55, "second": 56}
